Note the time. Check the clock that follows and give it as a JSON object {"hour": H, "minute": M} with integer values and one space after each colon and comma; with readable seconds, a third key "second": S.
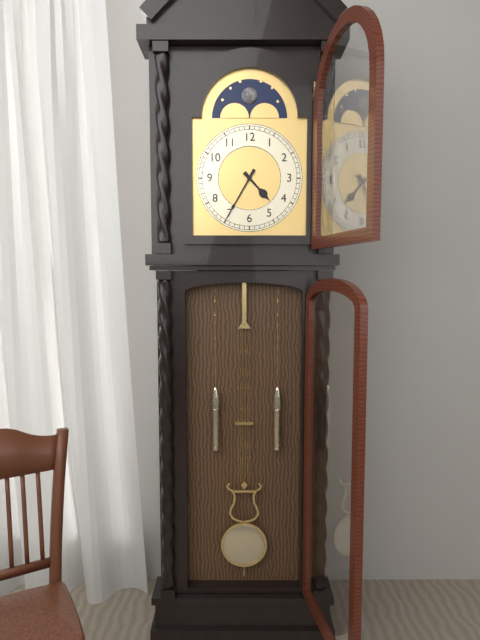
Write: {"hour": 4, "minute": 35}
